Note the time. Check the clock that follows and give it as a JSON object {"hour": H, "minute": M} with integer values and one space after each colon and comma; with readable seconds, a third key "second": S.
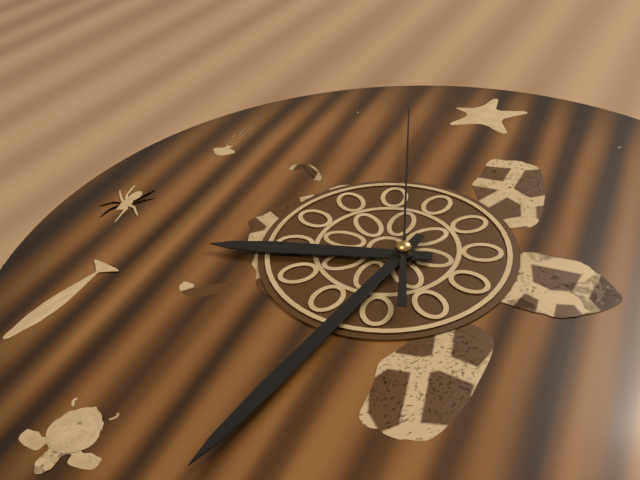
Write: {"hour": 8, "minute": 32, "second": 57}
